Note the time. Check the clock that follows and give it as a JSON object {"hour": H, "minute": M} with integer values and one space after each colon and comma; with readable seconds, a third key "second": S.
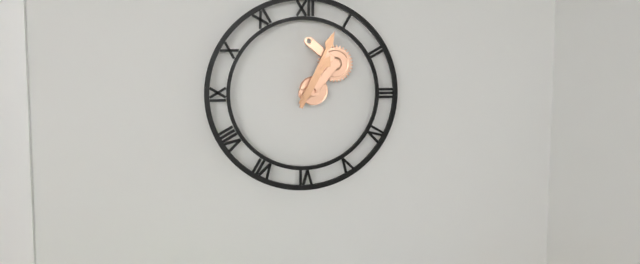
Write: {"hour": 1, "minute": 4}
